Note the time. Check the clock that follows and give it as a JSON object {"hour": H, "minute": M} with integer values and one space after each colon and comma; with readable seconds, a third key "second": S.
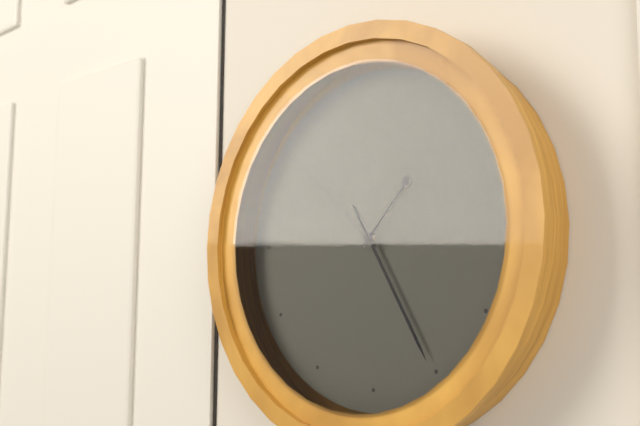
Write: {"hour": 1, "minute": 25, "second": 52}
